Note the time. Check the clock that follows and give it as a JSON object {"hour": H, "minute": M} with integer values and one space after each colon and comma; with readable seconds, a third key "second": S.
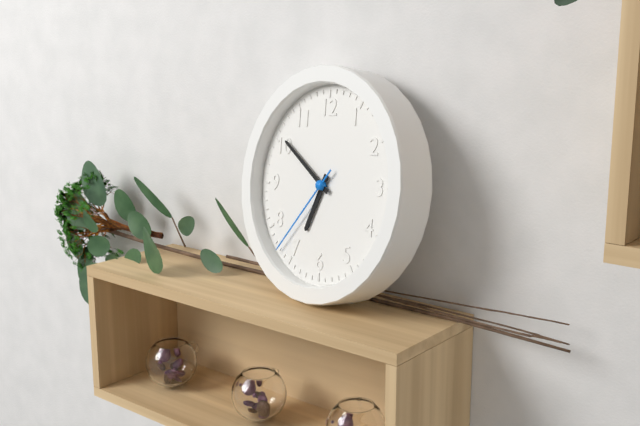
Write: {"hour": 6, "minute": 51, "second": 37}
